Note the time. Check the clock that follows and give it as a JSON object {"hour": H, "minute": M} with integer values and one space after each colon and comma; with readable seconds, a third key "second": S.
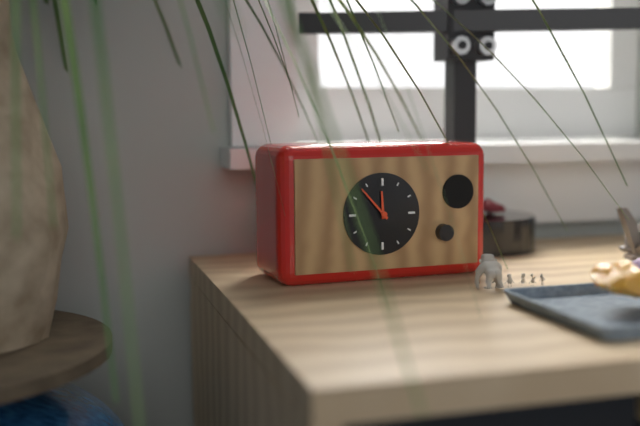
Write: {"hour": 11, "minute": 53}
